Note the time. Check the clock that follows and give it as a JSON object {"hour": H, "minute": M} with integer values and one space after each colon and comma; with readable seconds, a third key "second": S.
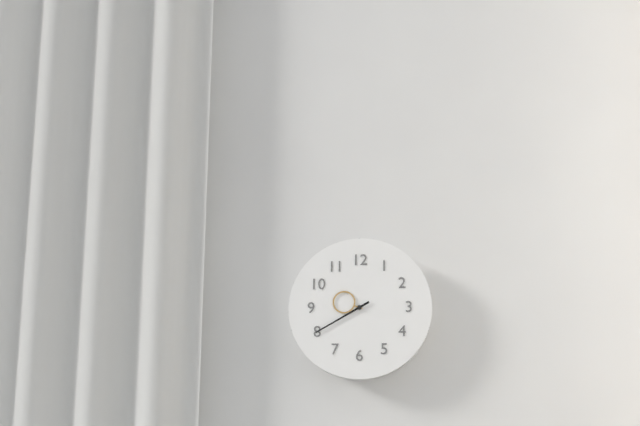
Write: {"hour": 9, "minute": 40}
